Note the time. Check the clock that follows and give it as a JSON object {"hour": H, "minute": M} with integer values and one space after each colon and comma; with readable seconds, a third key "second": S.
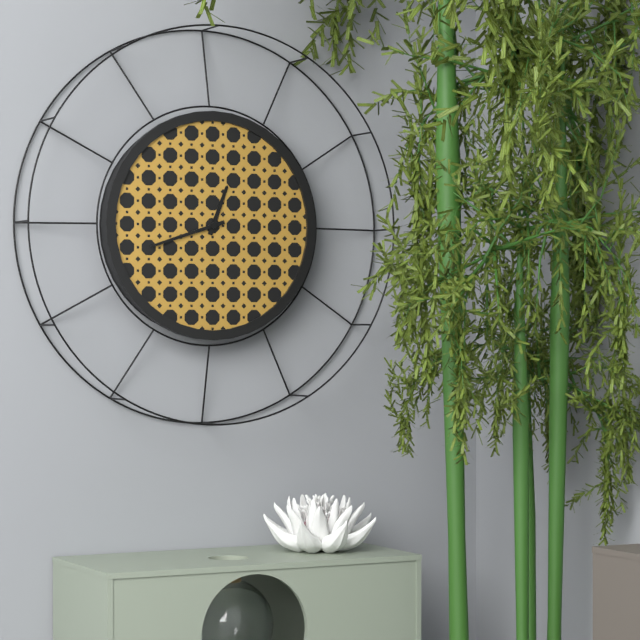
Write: {"hour": 12, "minute": 42}
